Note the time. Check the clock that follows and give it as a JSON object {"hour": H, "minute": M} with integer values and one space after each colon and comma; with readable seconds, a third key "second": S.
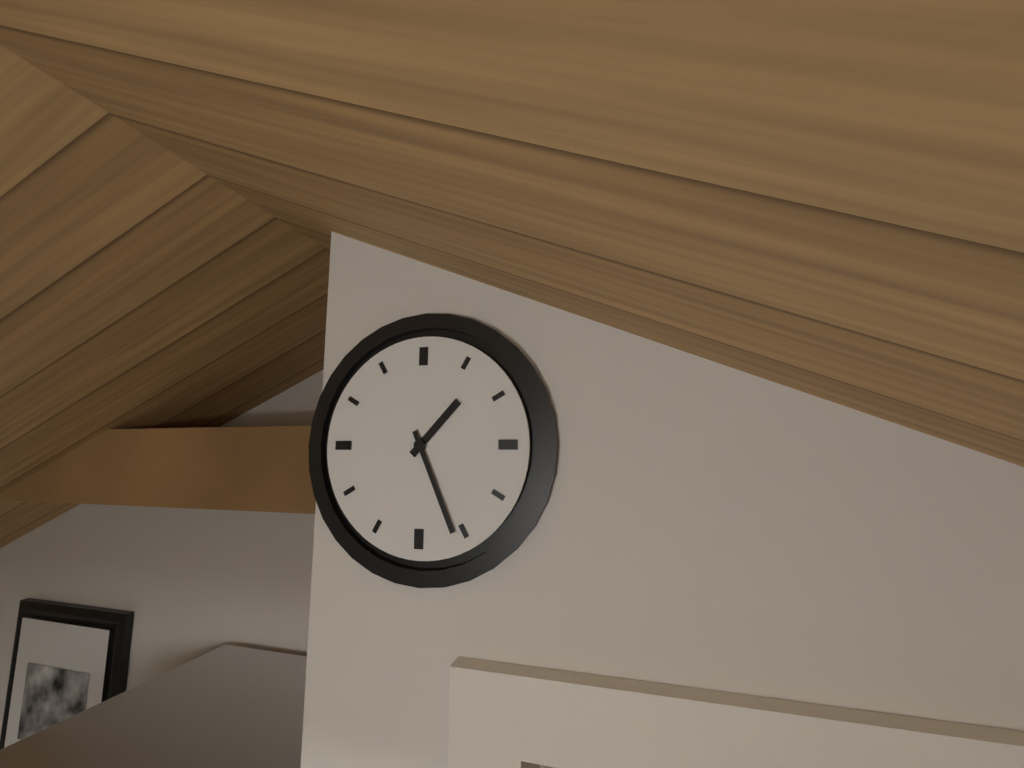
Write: {"hour": 1, "minute": 26}
